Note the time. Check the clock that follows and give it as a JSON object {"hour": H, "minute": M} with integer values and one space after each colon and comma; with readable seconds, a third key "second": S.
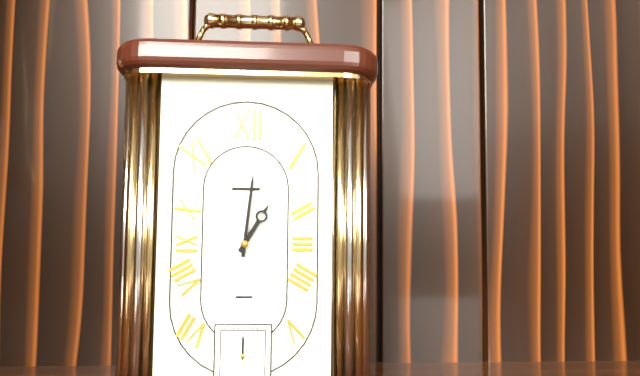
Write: {"hour": 1, "minute": 1}
